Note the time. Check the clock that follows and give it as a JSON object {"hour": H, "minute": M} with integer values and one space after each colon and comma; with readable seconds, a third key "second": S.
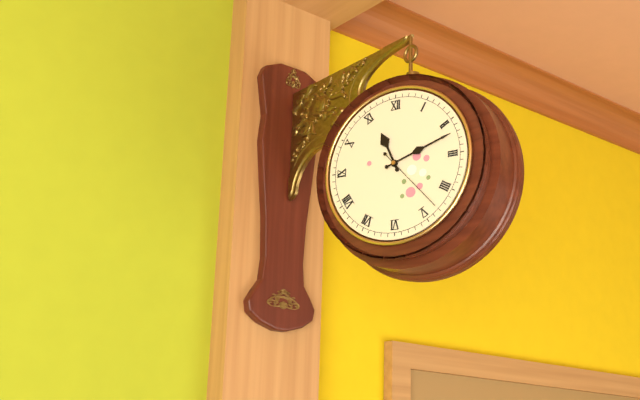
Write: {"hour": 11, "minute": 12, "second": 23}
